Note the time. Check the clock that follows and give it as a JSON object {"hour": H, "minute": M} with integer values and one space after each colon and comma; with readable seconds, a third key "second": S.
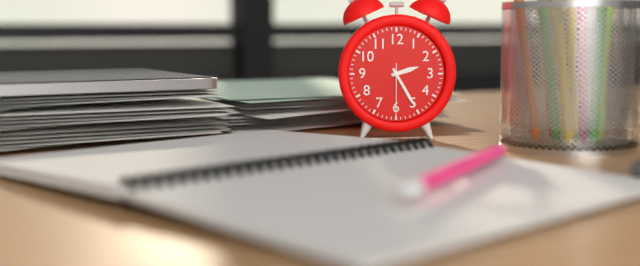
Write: {"hour": 2, "minute": 25, "second": 30}
